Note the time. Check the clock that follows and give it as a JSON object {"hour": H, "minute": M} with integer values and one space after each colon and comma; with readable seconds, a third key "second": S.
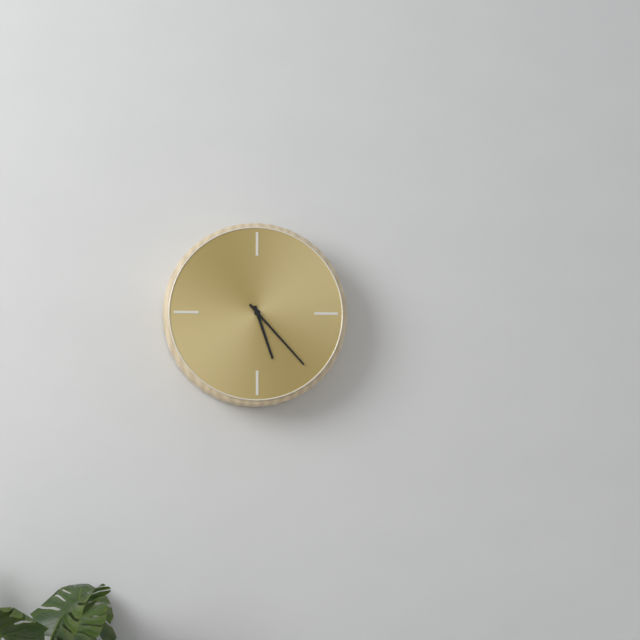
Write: {"hour": 5, "minute": 23}
